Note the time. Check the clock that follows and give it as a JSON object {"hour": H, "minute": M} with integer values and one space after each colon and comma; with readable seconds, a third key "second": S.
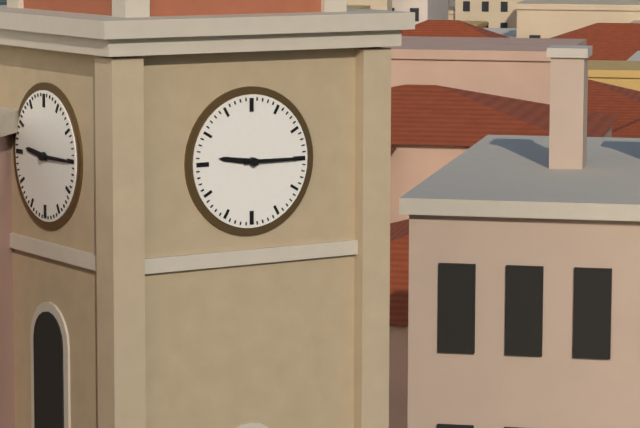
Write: {"hour": 9, "minute": 15}
